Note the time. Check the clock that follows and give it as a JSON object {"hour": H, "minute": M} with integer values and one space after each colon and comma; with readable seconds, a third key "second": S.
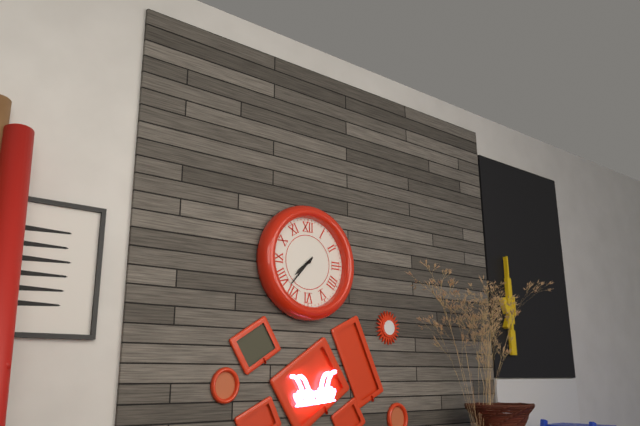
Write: {"hour": 7, "minute": 37}
